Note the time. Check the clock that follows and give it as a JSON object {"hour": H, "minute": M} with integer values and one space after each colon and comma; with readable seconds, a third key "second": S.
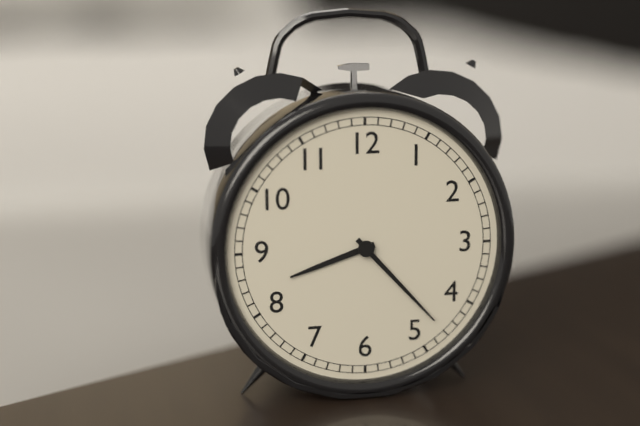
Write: {"hour": 8, "minute": 23}
